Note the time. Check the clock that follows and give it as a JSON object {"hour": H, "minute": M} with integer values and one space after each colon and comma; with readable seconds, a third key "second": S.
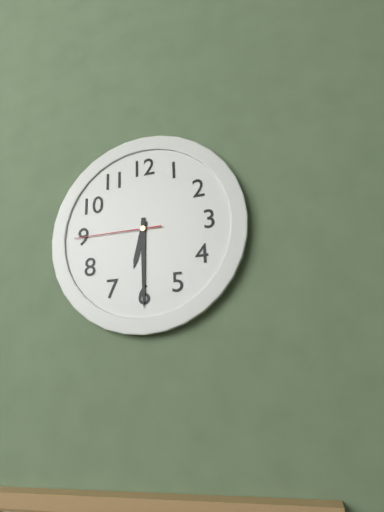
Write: {"hour": 6, "minute": 30, "second": 45}
